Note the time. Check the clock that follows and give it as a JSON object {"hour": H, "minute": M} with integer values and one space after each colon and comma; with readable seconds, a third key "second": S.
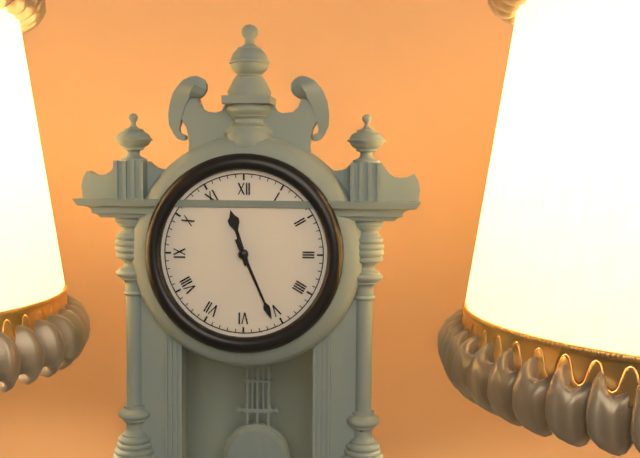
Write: {"hour": 11, "minute": 26}
